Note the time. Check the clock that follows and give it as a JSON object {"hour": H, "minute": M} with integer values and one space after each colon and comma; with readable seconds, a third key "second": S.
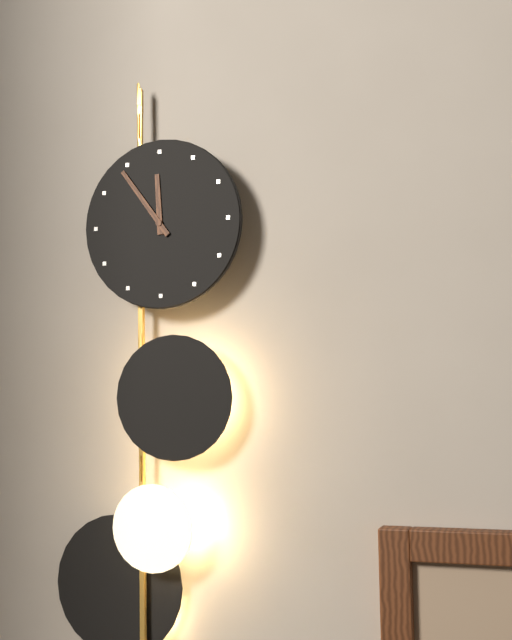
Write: {"hour": 11, "minute": 54}
